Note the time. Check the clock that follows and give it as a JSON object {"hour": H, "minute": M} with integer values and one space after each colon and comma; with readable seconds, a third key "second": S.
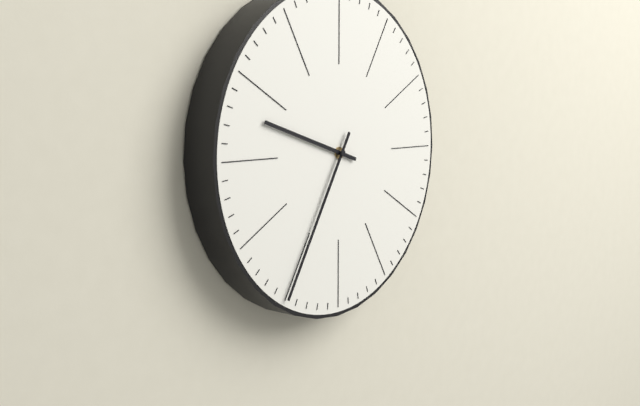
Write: {"hour": 9, "minute": 35}
